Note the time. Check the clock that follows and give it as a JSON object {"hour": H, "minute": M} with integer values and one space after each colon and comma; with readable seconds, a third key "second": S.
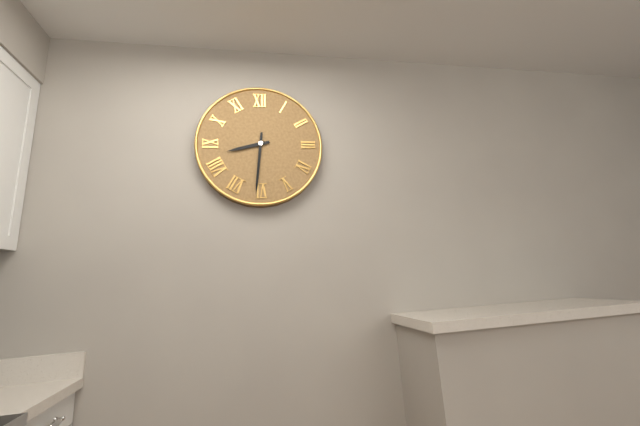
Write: {"hour": 8, "minute": 31}
